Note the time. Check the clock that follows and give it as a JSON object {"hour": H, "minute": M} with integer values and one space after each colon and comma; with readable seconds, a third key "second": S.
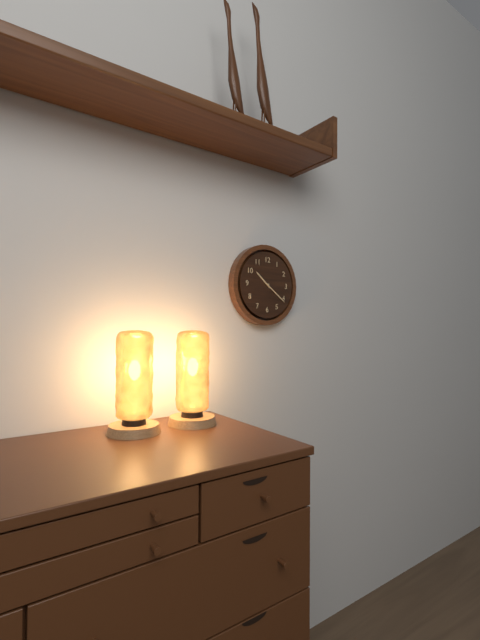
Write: {"hour": 10, "minute": 21}
